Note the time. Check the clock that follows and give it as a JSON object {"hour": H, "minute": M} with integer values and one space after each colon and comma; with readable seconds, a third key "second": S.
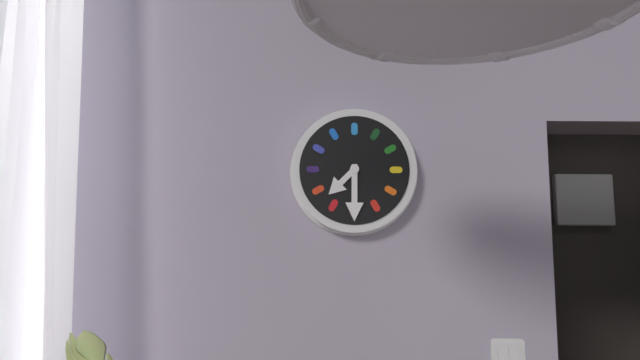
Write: {"hour": 7, "minute": 30}
